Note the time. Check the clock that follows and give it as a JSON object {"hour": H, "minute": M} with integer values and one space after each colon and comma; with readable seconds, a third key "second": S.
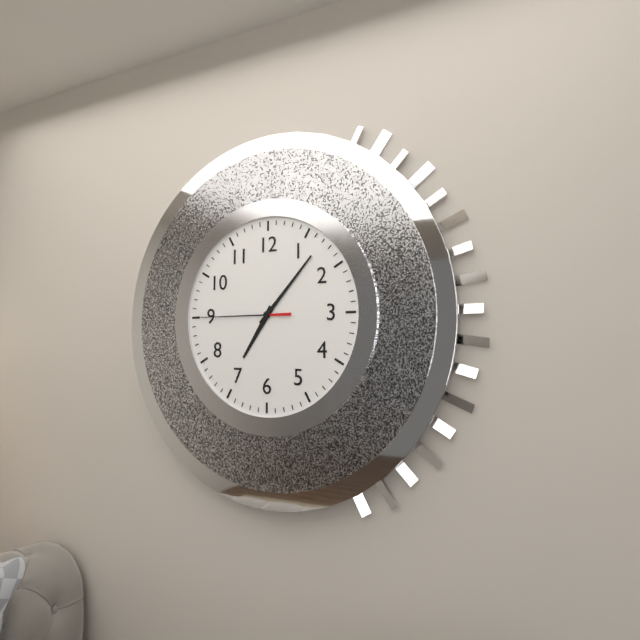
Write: {"hour": 7, "minute": 7, "second": 45}
